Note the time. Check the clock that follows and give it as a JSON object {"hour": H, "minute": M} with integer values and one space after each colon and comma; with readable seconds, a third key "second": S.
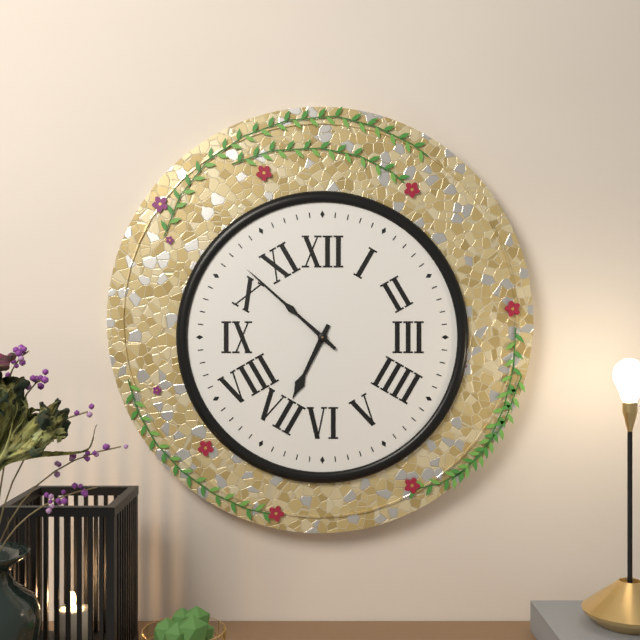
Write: {"hour": 6, "minute": 52}
